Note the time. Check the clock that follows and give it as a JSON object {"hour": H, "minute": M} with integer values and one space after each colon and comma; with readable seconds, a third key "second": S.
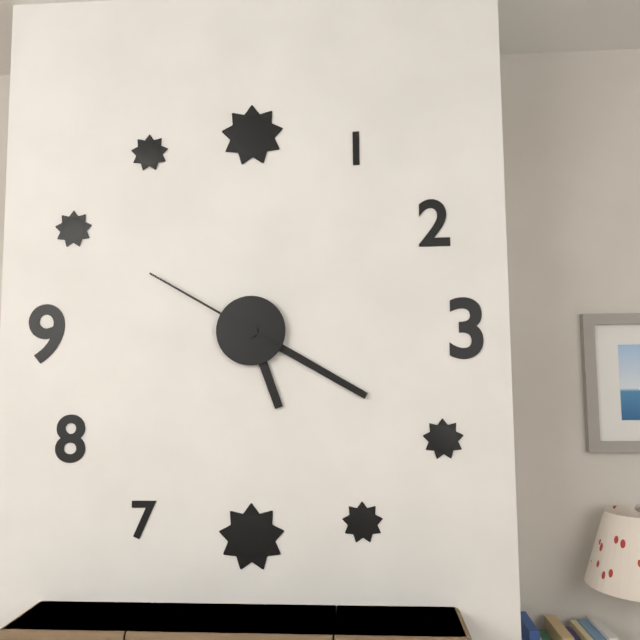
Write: {"hour": 5, "minute": 20, "second": 50}
